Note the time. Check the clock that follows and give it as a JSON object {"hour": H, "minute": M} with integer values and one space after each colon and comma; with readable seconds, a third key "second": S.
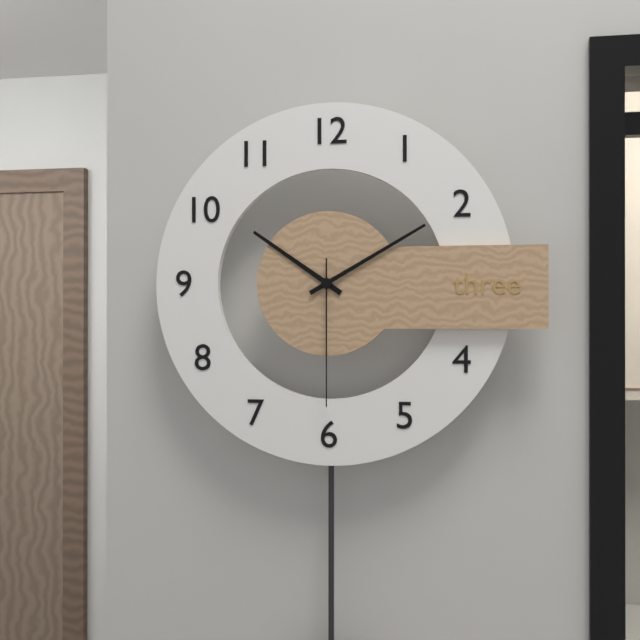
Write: {"hour": 10, "minute": 10, "second": 30}
